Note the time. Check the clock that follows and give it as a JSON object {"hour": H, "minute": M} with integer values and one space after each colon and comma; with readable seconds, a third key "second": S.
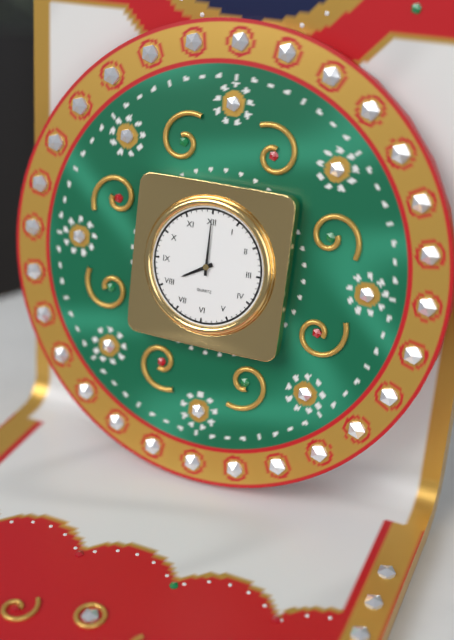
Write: {"hour": 8, "minute": 0}
